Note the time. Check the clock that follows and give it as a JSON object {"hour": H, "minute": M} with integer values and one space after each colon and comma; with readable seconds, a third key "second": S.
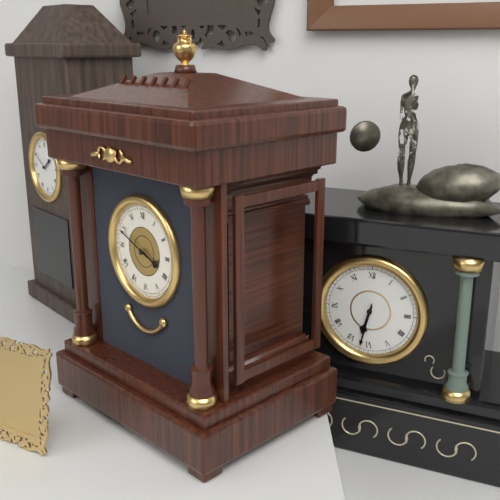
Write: {"hour": 3, "minute": 49}
